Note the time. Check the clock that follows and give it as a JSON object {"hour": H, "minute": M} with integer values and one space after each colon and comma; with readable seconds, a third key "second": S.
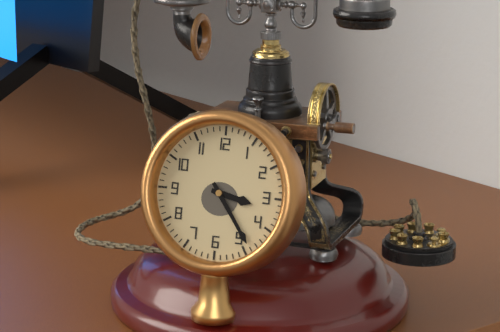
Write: {"hour": 3, "minute": 24}
